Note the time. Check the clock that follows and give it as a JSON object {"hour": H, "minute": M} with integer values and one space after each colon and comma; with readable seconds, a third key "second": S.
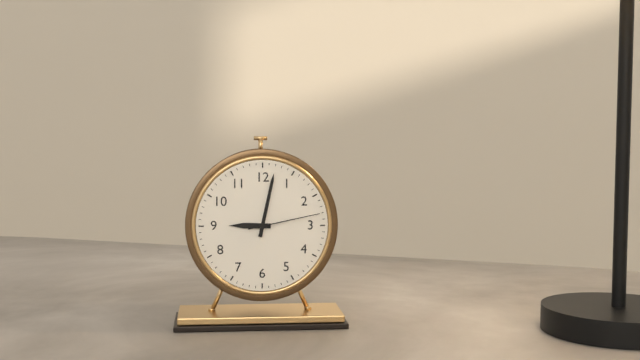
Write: {"hour": 9, "minute": 2, "second": 13}
